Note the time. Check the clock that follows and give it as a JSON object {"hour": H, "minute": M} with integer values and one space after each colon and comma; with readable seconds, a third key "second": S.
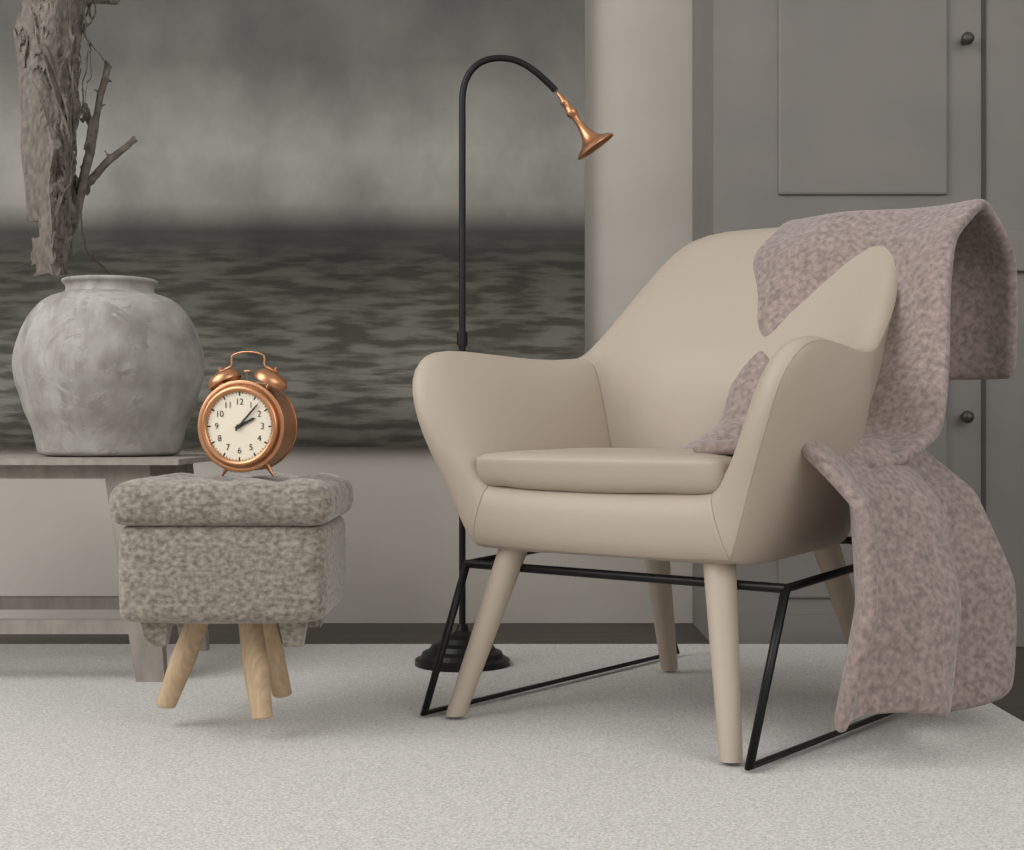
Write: {"hour": 2, "minute": 7}
